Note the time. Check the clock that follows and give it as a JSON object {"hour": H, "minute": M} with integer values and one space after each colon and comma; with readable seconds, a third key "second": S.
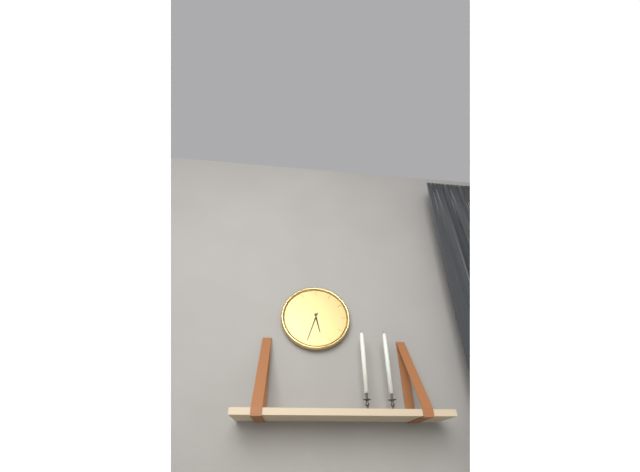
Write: {"hour": 5, "minute": 33}
